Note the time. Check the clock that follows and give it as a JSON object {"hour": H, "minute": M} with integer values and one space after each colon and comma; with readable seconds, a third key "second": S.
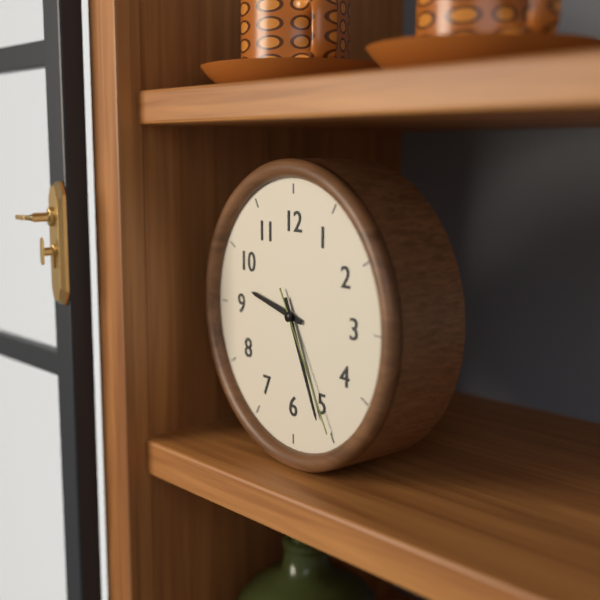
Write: {"hour": 9, "minute": 26, "second": 25}
